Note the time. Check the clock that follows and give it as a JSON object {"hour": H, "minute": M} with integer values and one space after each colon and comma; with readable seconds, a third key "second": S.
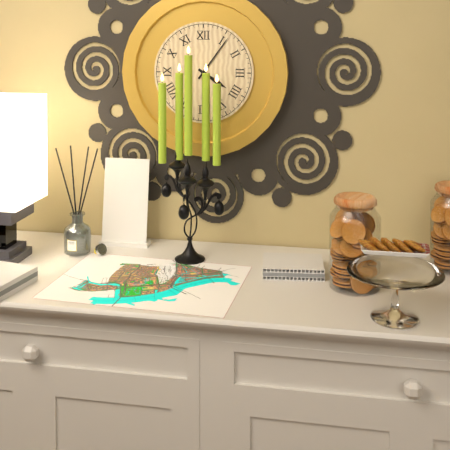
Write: {"hour": 4, "minute": 6}
